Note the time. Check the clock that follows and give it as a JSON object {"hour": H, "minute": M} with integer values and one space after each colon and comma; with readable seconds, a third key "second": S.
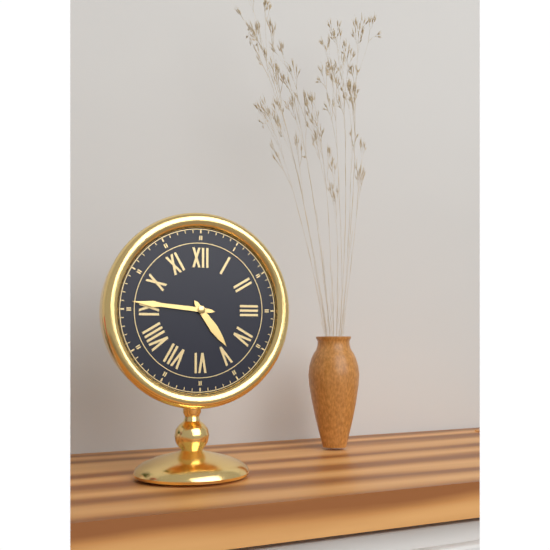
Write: {"hour": 4, "minute": 46}
